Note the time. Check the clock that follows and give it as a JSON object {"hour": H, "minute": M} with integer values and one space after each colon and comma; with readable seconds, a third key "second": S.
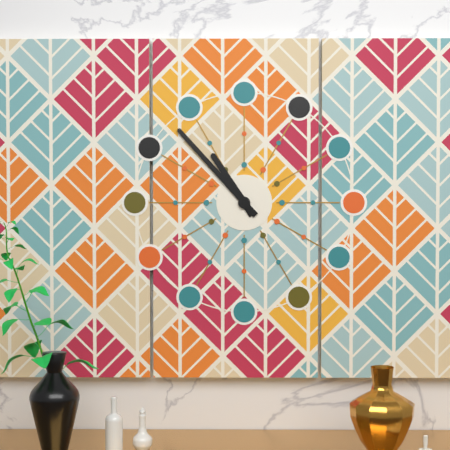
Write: {"hour": 10, "minute": 53}
